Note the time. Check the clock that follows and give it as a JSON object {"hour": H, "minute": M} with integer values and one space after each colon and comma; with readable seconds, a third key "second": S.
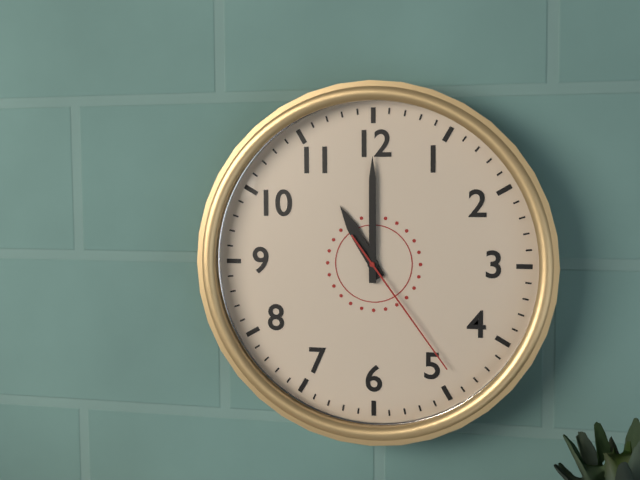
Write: {"hour": 11, "minute": 0, "second": 24}
